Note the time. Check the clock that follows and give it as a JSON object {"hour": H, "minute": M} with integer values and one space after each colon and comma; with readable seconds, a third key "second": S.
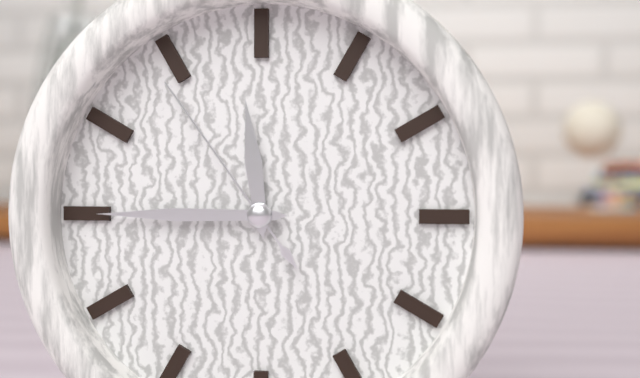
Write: {"hour": 11, "minute": 45, "second": 54}
